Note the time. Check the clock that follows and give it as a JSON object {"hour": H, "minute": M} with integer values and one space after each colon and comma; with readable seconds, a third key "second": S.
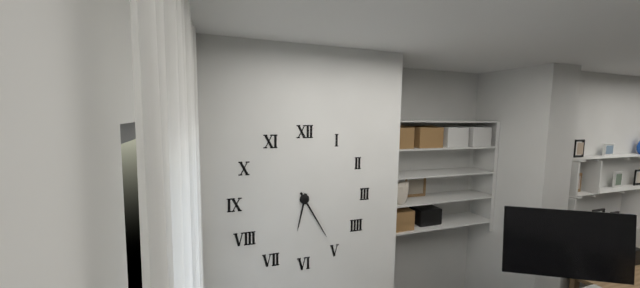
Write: {"hour": 6, "minute": 25}
